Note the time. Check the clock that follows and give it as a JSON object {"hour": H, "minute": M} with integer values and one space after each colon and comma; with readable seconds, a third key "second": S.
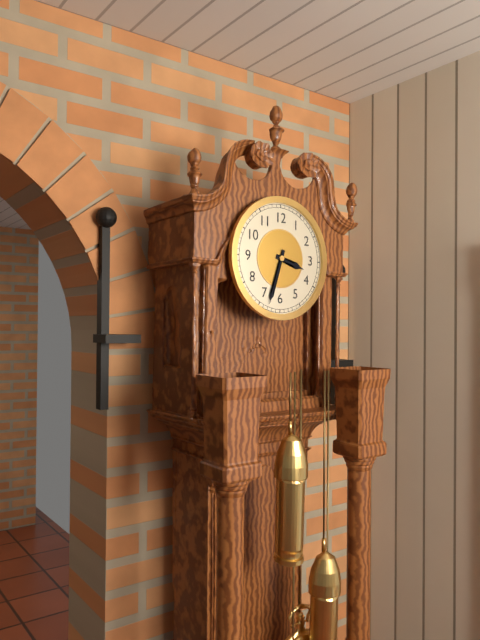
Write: {"hour": 3, "minute": 33}
